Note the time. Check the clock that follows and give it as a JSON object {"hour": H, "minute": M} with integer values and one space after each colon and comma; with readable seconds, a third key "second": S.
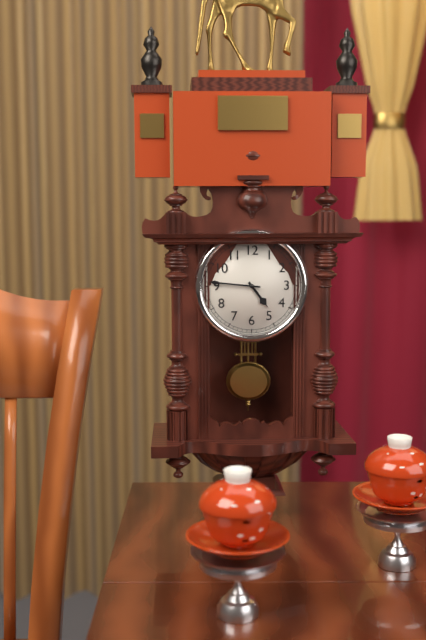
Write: {"hour": 4, "minute": 46}
